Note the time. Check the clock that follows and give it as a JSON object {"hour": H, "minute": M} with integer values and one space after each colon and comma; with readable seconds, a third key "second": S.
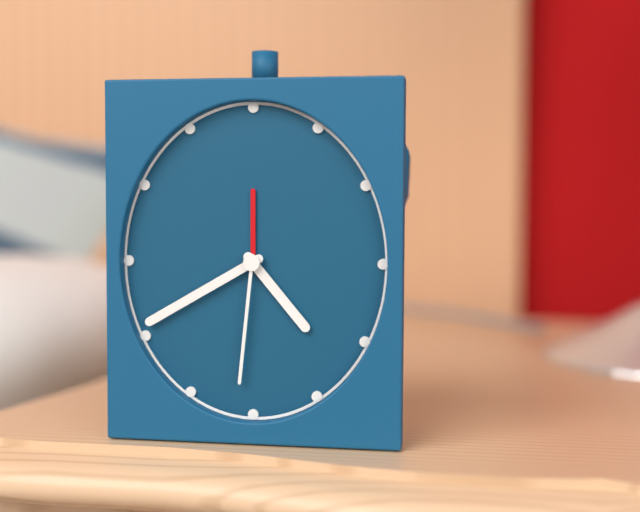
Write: {"hour": 4, "minute": 40, "second": 31}
